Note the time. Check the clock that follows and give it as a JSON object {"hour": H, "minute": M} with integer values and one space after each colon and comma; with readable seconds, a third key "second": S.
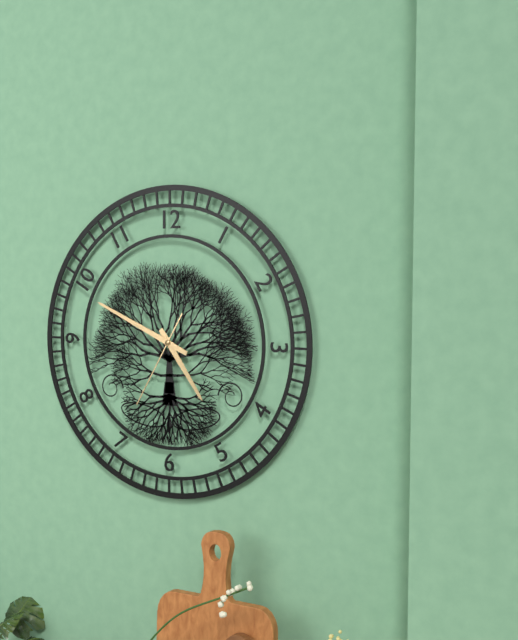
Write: {"hour": 4, "minute": 49, "second": 35}
